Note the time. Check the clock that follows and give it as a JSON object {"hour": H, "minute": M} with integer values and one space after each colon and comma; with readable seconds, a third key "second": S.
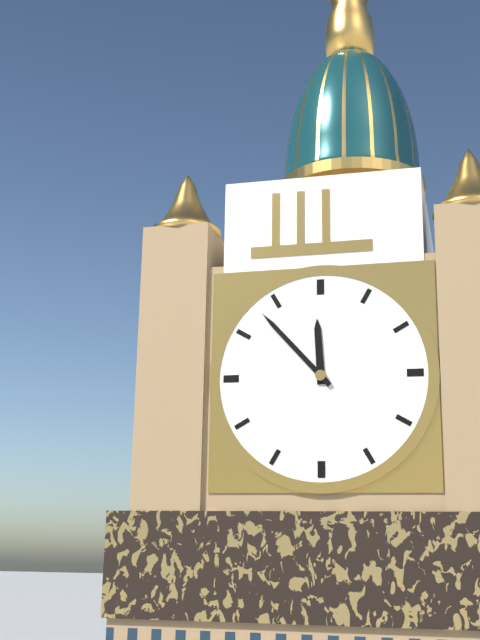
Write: {"hour": 11, "minute": 53}
